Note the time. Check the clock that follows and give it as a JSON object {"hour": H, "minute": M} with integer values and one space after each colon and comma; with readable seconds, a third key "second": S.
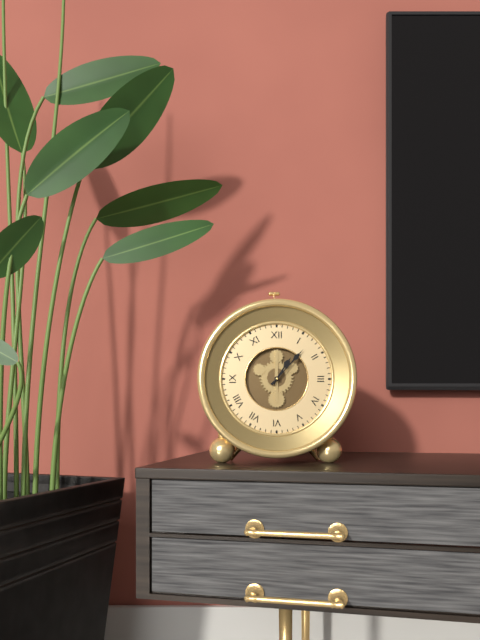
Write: {"hour": 1, "minute": 7}
